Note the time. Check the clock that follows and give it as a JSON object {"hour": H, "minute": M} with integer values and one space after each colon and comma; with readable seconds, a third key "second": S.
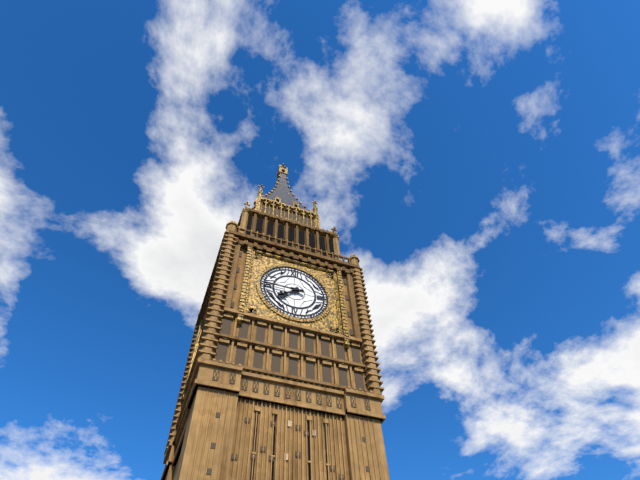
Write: {"hour": 7, "minute": 45}
